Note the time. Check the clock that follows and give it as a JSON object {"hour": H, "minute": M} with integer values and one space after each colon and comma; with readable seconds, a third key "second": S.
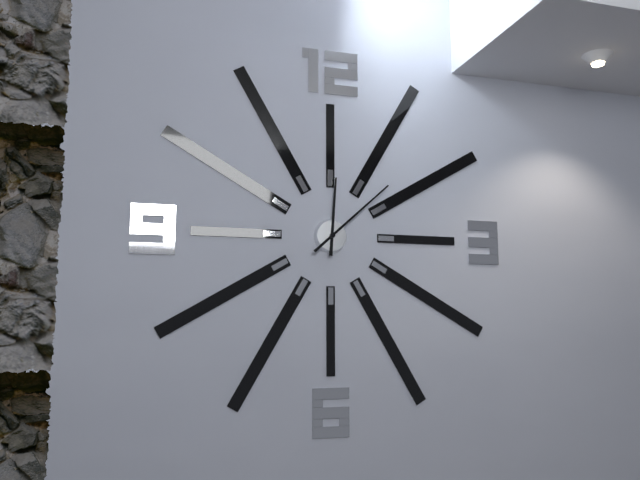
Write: {"hour": 12, "minute": 8}
